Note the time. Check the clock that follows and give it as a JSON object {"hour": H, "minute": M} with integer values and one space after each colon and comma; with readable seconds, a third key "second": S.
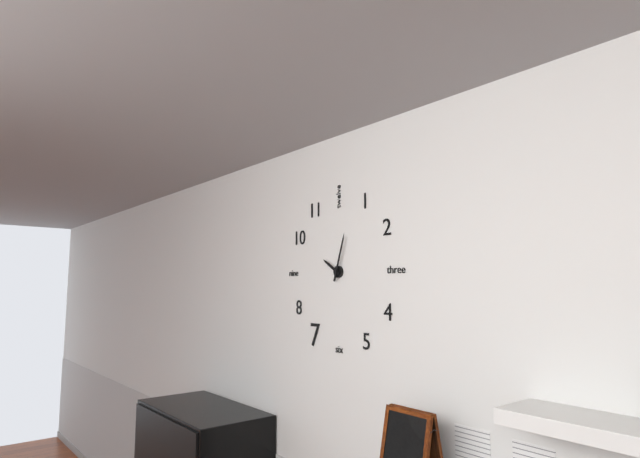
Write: {"hour": 10, "minute": 3}
